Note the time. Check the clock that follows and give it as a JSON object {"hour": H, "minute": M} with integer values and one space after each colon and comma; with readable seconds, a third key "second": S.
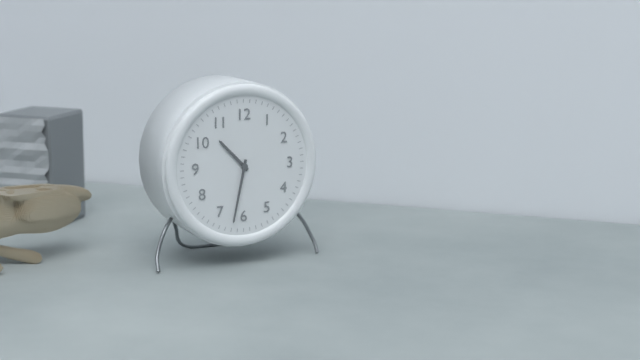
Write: {"hour": 10, "minute": 32}
